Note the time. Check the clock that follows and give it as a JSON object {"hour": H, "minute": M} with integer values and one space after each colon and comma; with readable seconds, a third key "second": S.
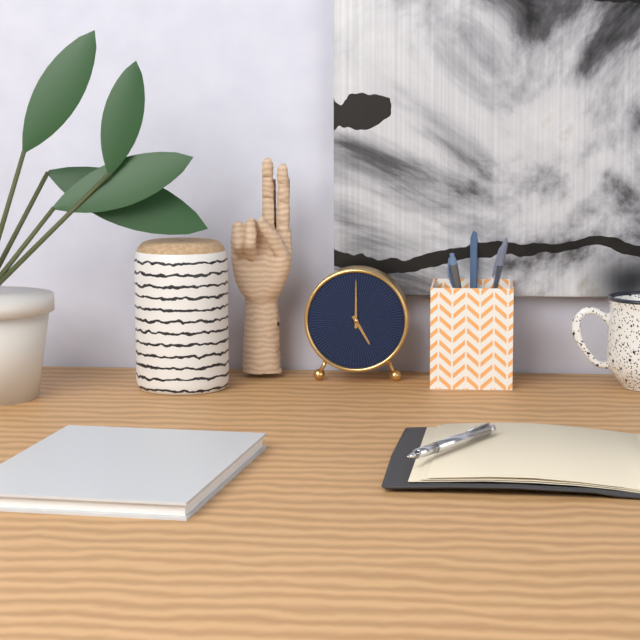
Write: {"hour": 5, "minute": 0}
